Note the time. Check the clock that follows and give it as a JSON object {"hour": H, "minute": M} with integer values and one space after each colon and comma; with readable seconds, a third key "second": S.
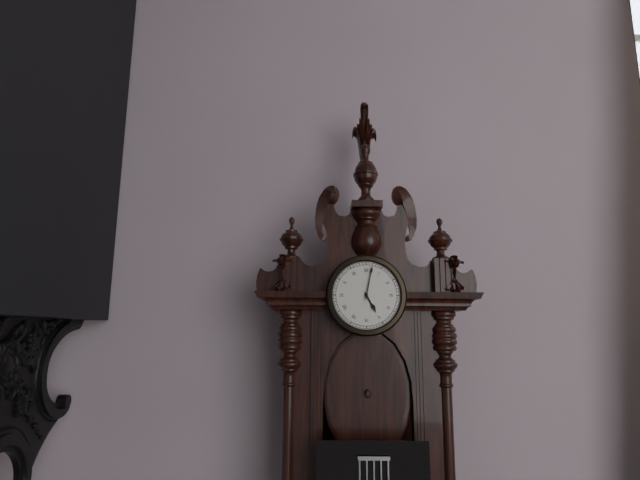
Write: {"hour": 5, "minute": 2}
